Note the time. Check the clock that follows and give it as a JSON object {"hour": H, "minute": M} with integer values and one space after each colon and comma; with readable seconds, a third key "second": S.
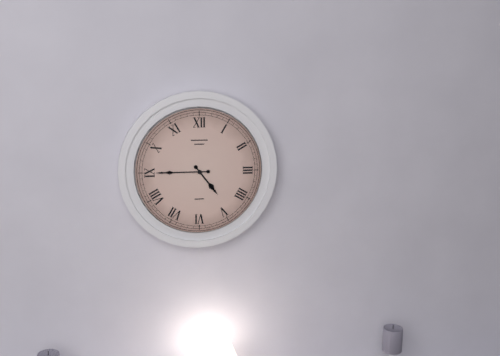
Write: {"hour": 4, "minute": 45}
